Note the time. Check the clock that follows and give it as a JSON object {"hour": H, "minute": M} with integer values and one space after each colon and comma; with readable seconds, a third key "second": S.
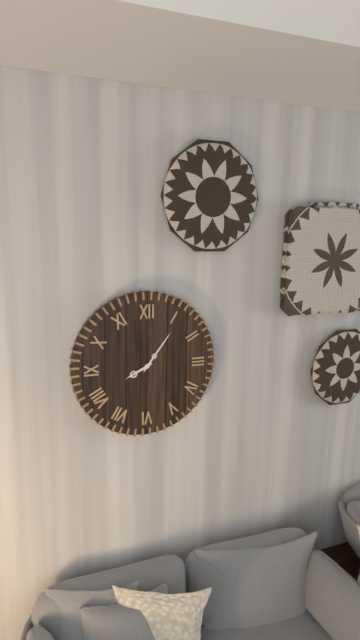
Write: {"hour": 8, "minute": 6}
